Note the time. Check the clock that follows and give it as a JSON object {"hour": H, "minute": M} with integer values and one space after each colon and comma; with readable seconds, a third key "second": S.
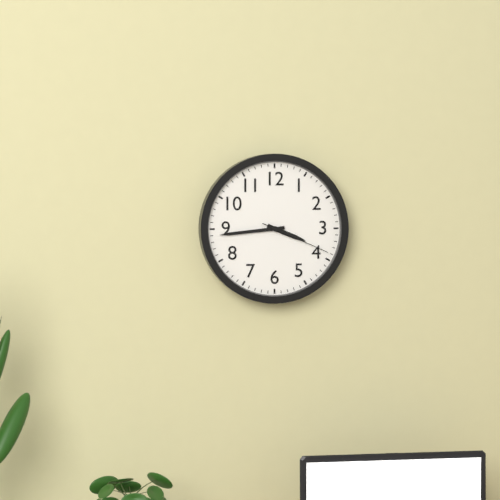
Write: {"hour": 3, "minute": 44, "second": 19}
